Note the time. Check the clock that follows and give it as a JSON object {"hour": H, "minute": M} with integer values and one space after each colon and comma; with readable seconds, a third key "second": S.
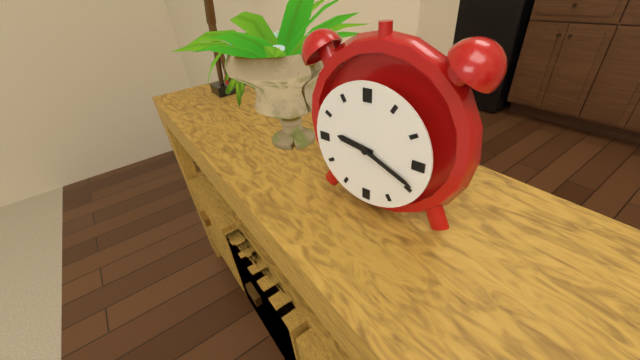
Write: {"hour": 9, "minute": 19}
